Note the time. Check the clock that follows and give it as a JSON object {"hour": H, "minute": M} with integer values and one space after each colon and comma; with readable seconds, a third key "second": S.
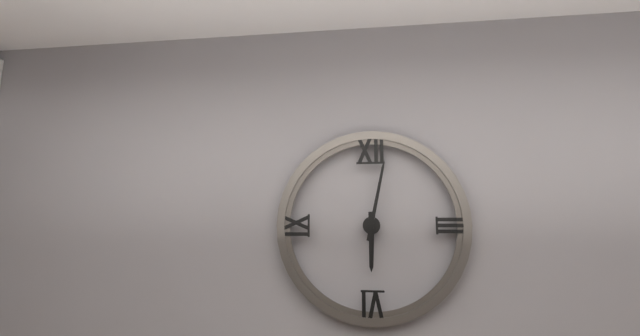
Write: {"hour": 6, "minute": 2}
